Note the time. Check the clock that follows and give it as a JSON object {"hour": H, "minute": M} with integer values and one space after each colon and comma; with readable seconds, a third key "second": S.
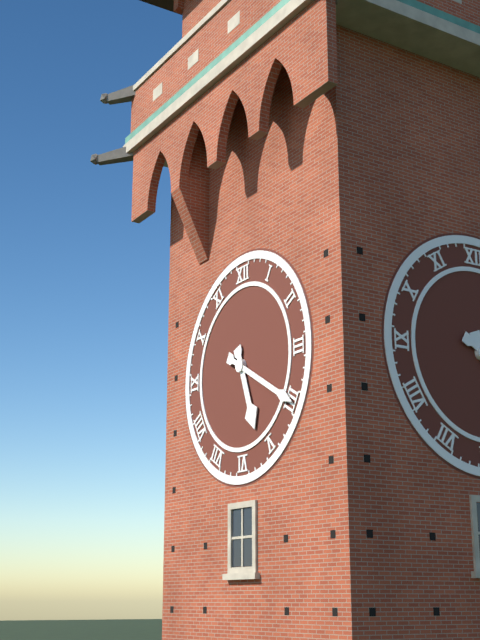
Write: {"hour": 5, "minute": 20}
